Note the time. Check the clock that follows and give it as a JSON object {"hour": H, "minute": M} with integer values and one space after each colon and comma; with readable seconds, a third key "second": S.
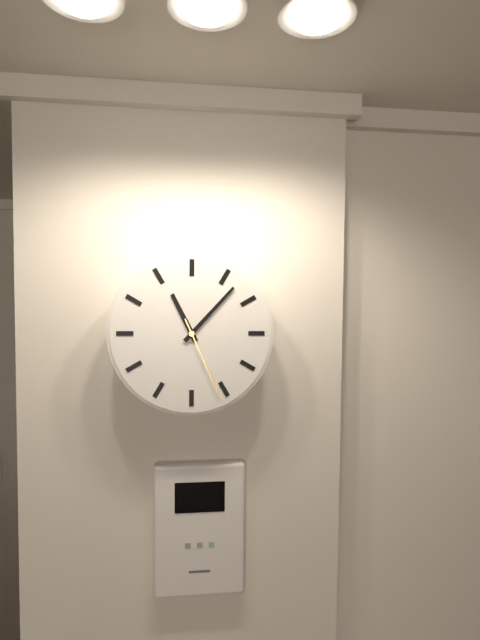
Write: {"hour": 11, "minute": 7, "second": 26}
